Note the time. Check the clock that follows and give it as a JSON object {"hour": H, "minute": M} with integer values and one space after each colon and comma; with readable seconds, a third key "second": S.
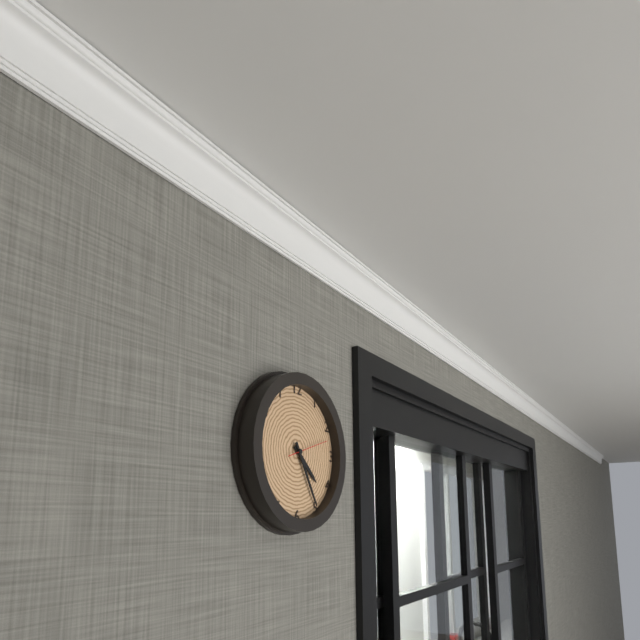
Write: {"hour": 4, "minute": 25, "second": 12}
